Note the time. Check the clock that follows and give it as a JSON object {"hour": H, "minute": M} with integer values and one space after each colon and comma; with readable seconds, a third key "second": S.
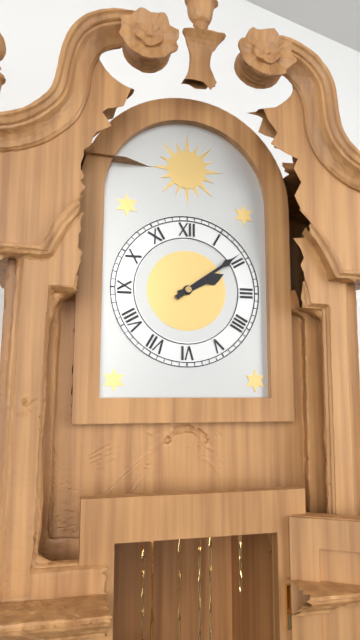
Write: {"hour": 2, "minute": 9}
